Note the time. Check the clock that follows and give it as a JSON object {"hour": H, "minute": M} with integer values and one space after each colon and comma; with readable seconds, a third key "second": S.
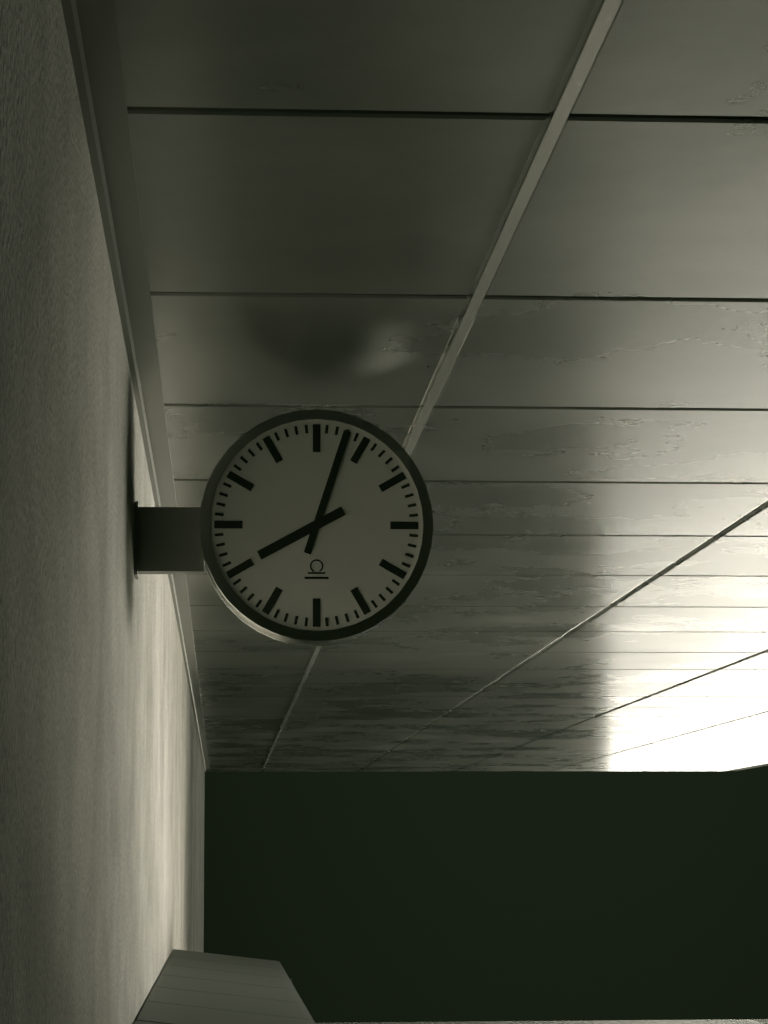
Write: {"hour": 8, "minute": 3}
